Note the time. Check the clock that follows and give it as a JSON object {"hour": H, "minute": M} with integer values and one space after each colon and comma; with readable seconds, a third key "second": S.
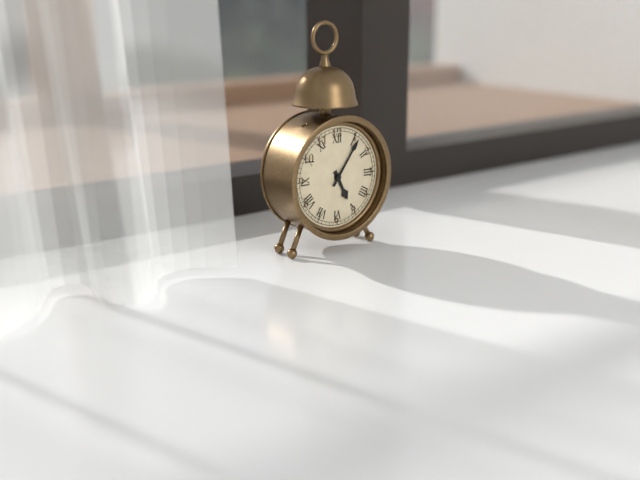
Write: {"hour": 5, "minute": 6}
